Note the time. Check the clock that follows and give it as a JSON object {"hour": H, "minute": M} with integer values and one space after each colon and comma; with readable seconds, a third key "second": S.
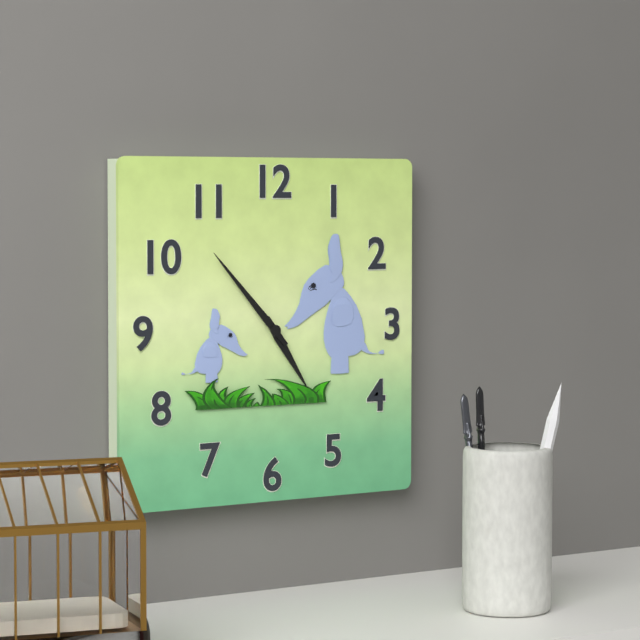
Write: {"hour": 4, "minute": 53}
